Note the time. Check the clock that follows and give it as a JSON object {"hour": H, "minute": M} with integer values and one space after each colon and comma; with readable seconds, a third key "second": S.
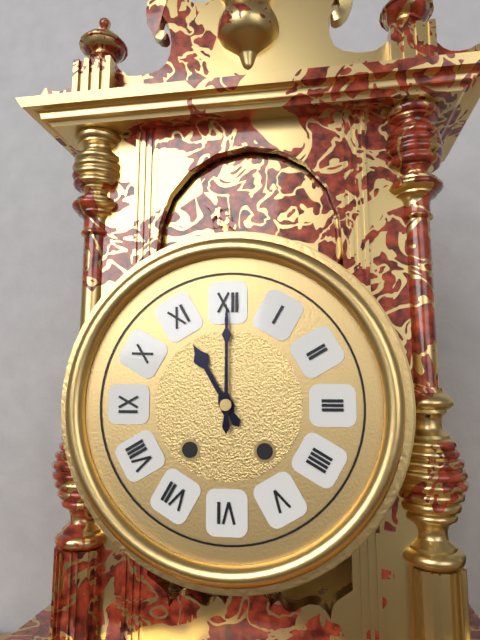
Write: {"hour": 11, "minute": 0}
